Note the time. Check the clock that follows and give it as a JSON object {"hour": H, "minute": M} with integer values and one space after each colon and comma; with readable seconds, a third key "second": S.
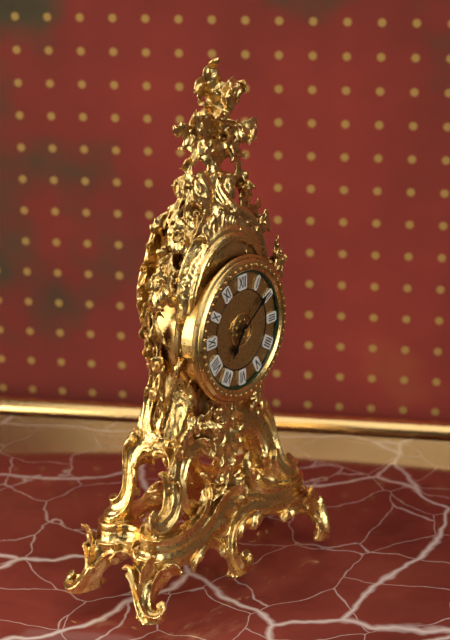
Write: {"hour": 7, "minute": 9}
